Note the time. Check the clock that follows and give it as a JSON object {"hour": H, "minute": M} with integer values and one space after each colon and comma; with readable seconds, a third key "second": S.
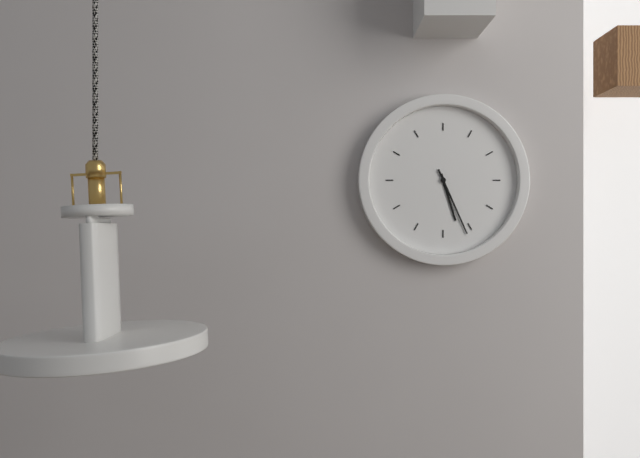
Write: {"hour": 5, "minute": 26}
